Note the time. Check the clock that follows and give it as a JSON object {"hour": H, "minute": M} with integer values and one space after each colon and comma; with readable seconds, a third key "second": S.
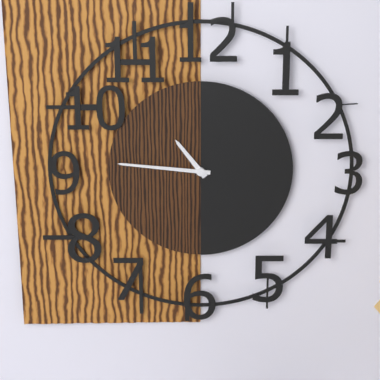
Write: {"hour": 10, "minute": 46}
